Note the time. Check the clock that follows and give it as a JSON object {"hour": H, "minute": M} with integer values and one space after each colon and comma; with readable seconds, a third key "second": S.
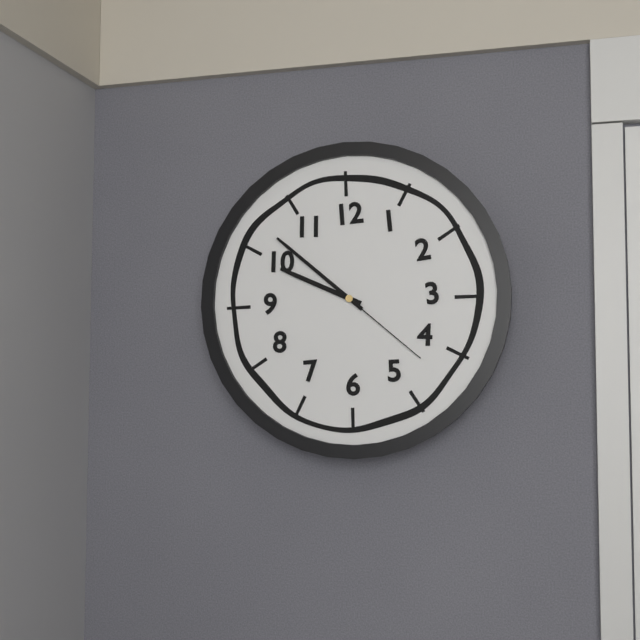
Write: {"hour": 9, "minute": 52, "second": 22}
